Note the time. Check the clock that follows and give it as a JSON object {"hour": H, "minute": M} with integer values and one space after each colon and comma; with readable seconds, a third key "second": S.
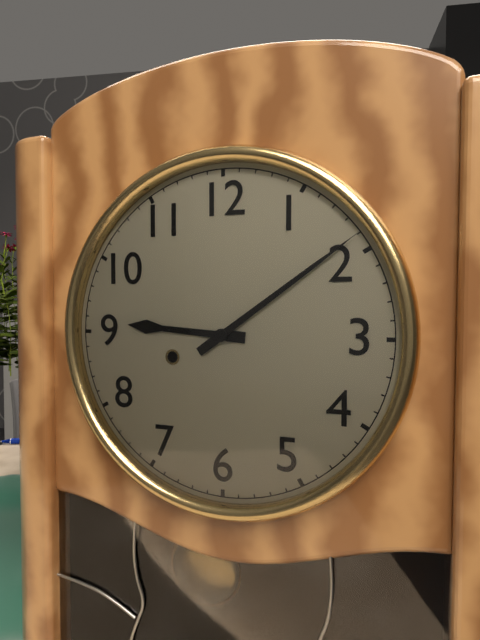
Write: {"hour": 9, "minute": 9}
